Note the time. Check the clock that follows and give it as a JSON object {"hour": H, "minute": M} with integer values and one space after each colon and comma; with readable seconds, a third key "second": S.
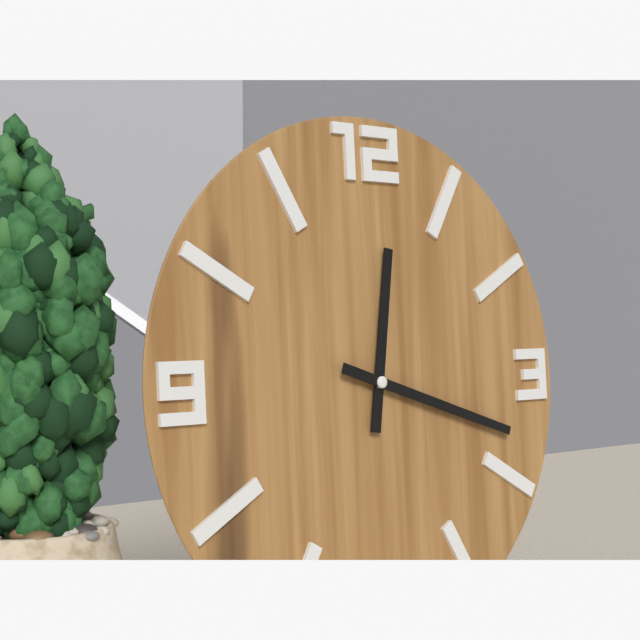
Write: {"hour": 12, "minute": 18}
